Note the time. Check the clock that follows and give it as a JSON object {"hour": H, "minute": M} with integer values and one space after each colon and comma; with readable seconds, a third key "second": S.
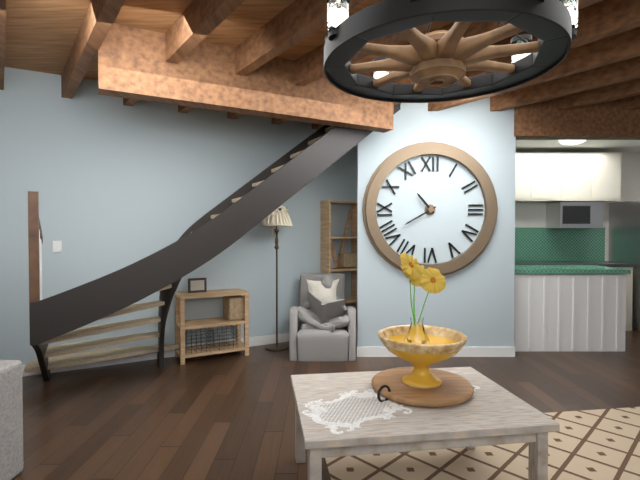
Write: {"hour": 10, "minute": 40}
